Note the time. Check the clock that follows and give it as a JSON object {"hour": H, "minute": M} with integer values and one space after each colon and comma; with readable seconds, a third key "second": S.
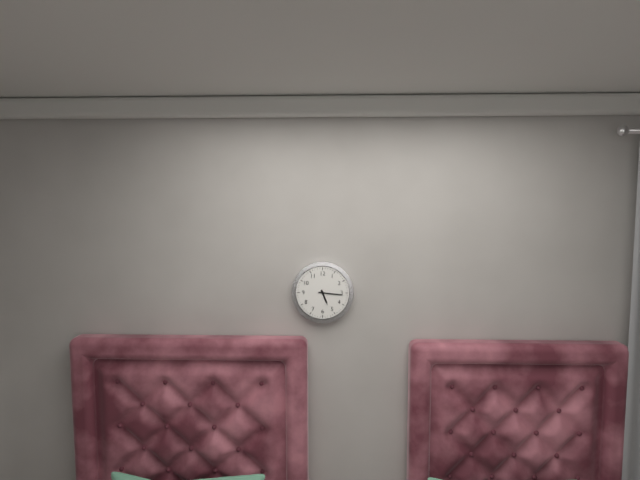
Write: {"hour": 5, "minute": 16}
